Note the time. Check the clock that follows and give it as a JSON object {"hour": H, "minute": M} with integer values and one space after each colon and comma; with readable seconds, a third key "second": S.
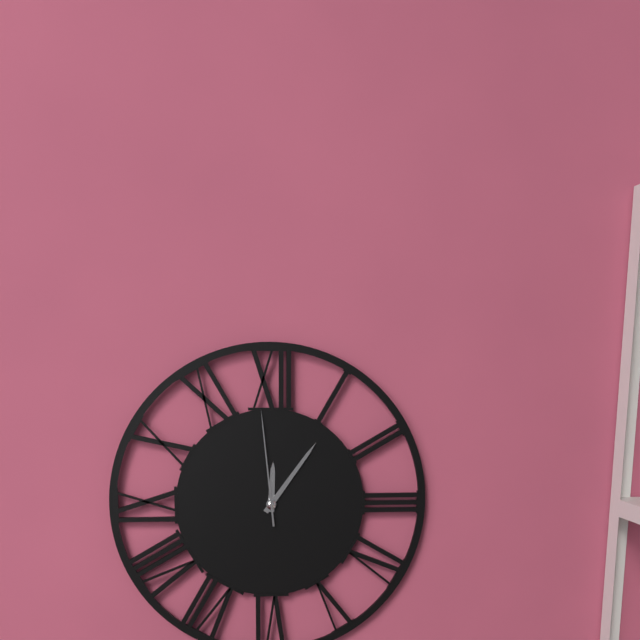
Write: {"hour": 12, "minute": 6, "second": 59}
